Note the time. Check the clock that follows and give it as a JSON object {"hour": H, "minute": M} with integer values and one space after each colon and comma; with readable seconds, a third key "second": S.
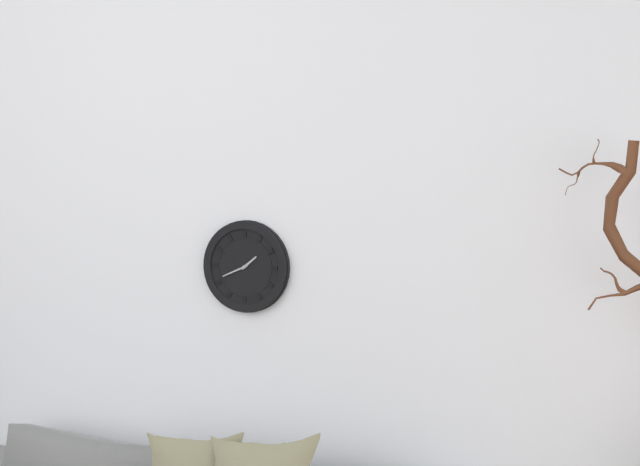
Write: {"hour": 1, "minute": 41}
